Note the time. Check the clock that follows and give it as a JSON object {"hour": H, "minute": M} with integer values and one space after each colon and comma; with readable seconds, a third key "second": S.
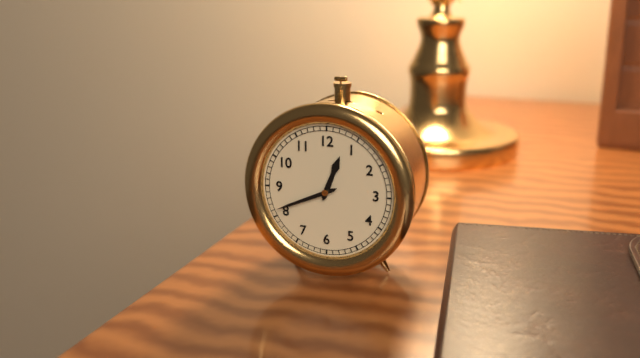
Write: {"hour": 12, "minute": 41}
